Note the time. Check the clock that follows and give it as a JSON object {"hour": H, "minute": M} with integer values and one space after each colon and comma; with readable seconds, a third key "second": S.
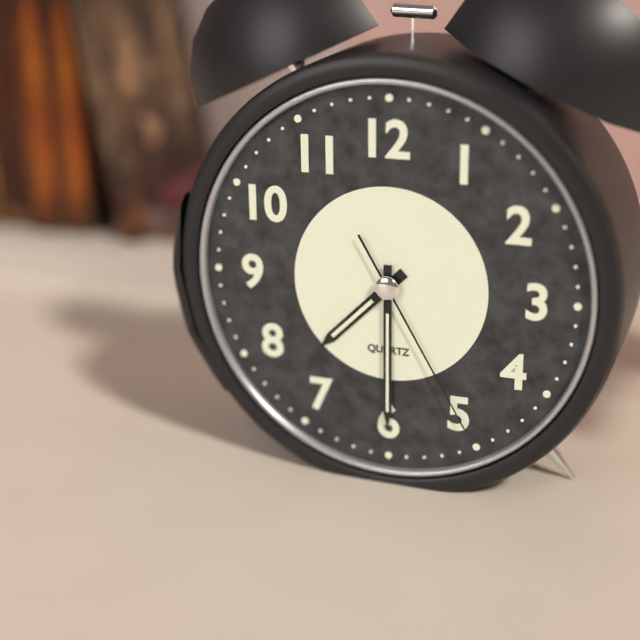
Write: {"hour": 7, "minute": 30, "second": 25}
